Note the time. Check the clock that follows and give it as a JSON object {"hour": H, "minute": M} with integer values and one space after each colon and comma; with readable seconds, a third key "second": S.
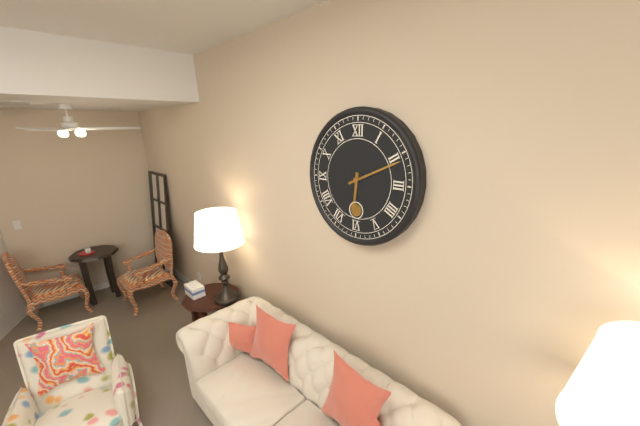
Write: {"hour": 6, "minute": 11}
